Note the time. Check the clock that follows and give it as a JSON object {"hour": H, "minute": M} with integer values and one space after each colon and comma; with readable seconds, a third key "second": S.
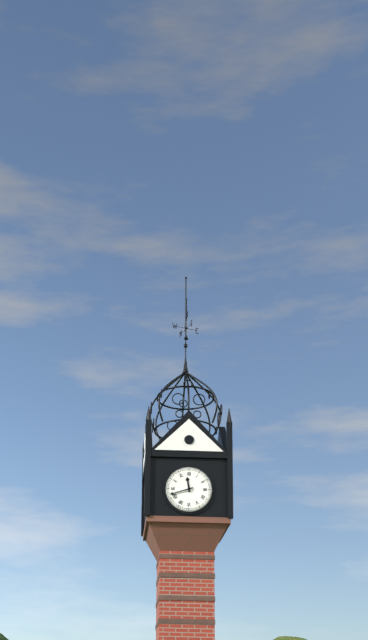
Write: {"hour": 11, "minute": 42}
